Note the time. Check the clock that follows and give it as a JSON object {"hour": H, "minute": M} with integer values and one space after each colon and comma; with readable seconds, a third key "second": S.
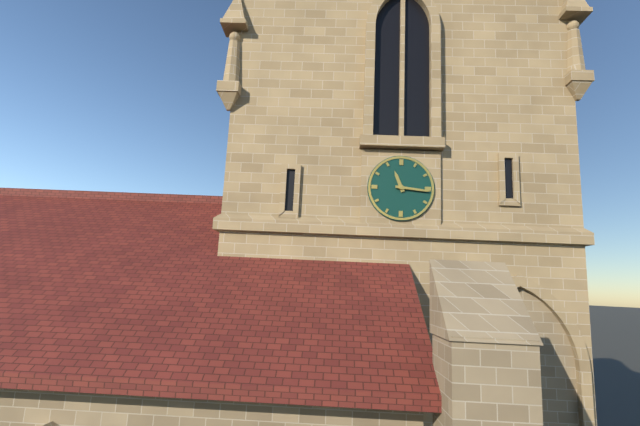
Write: {"hour": 11, "minute": 16}
